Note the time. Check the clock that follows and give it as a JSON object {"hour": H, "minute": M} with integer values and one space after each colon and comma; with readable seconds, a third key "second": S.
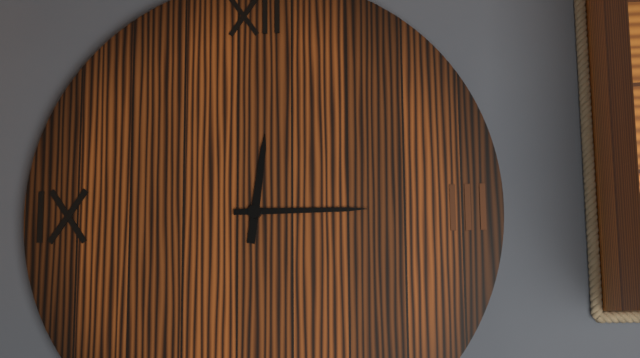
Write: {"hour": 12, "minute": 15}
